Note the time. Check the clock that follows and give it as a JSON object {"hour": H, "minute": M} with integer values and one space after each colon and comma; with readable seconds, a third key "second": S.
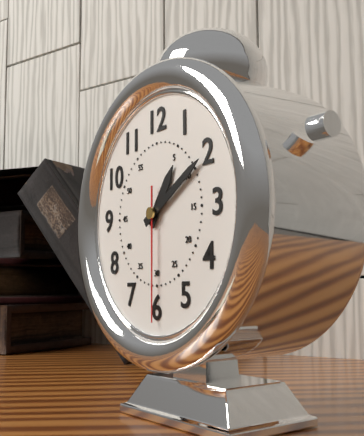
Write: {"hour": 1, "minute": 10, "second": 30}
